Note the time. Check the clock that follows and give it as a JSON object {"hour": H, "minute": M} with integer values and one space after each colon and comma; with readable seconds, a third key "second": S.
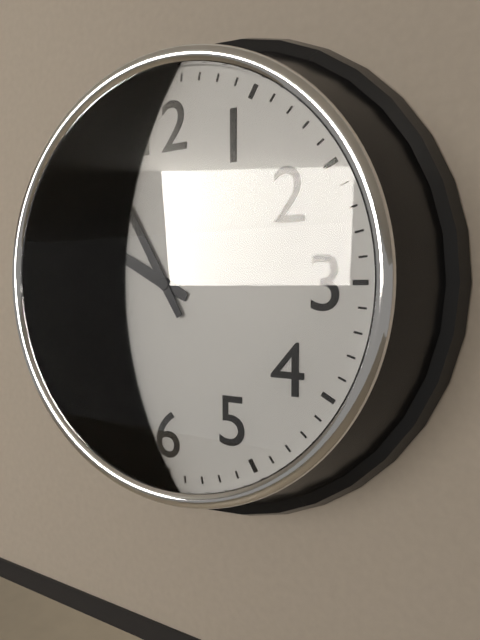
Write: {"hour": 9, "minute": 55}
